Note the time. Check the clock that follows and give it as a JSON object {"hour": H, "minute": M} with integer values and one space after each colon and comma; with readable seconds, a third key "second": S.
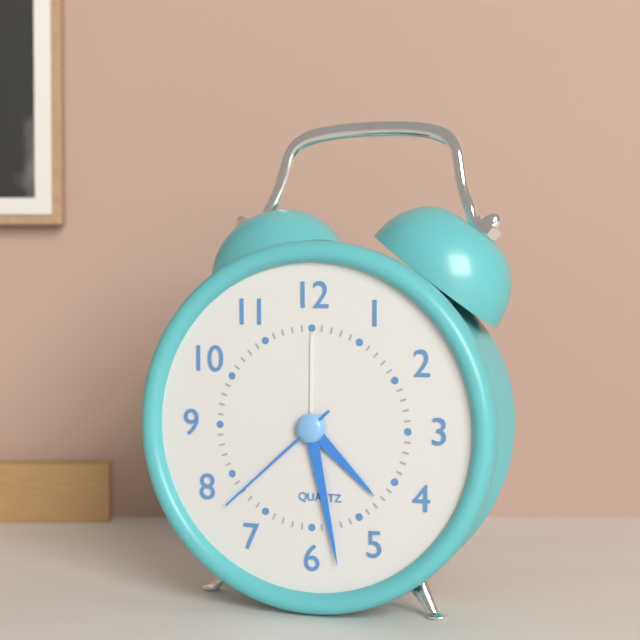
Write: {"hour": 4, "minute": 28, "second": 38}
